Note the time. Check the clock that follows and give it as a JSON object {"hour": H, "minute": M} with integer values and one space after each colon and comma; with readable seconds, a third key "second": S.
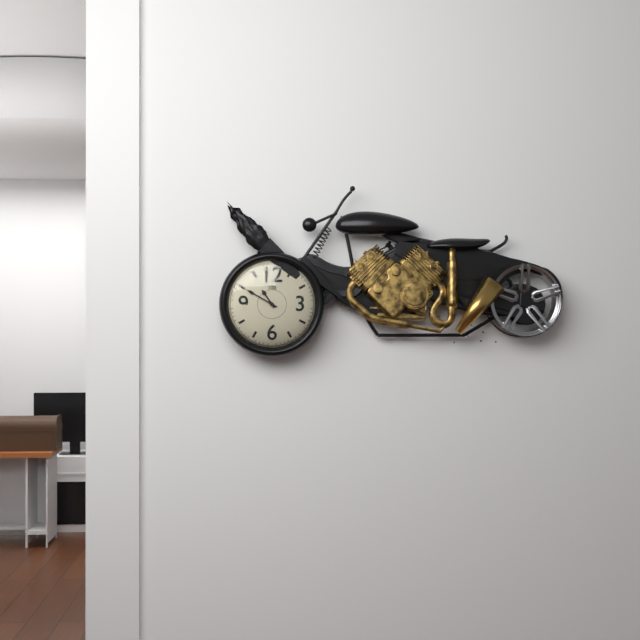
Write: {"hour": 10, "minute": 50}
